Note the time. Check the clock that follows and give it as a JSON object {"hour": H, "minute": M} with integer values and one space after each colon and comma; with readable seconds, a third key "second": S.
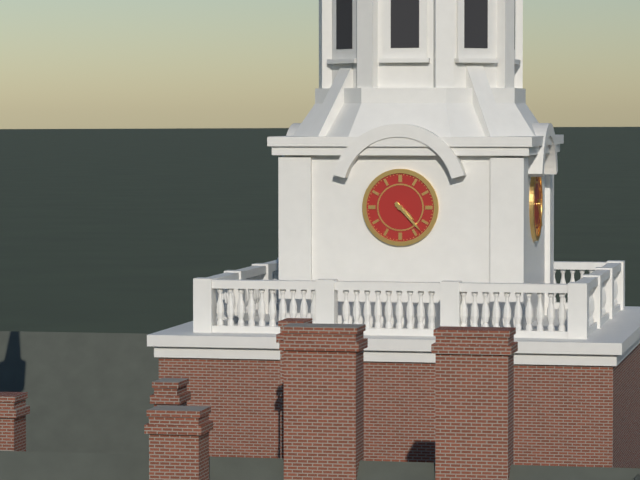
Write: {"hour": 4, "minute": 23}
